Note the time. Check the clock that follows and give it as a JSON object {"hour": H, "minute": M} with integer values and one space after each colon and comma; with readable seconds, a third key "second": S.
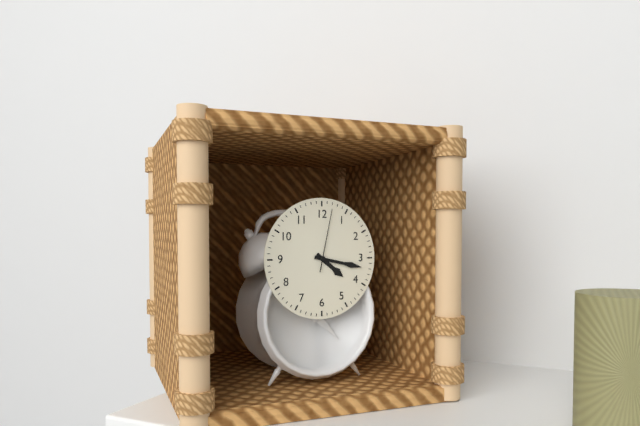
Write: {"hour": 4, "minute": 17, "second": 2}
